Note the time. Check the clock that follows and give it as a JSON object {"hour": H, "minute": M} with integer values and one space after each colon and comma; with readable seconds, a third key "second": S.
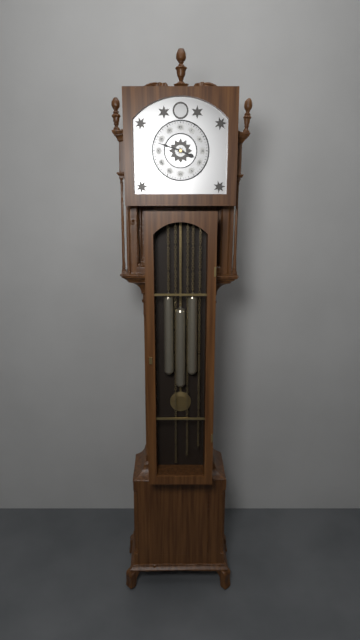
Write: {"hour": 3, "minute": 48}
